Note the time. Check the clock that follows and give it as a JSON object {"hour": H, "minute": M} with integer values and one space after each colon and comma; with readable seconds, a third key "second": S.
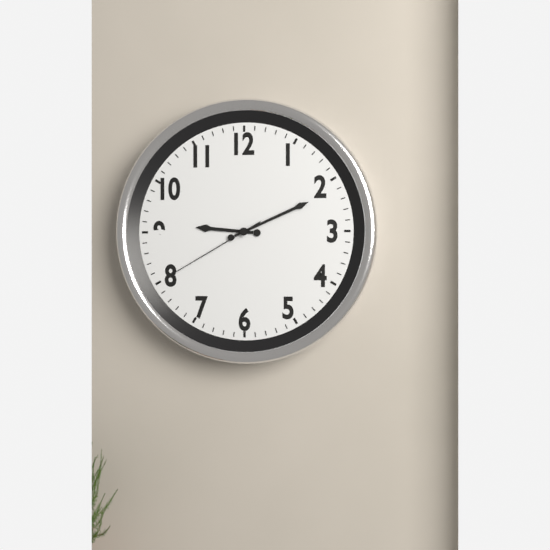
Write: {"hour": 9, "minute": 11, "second": 40}
